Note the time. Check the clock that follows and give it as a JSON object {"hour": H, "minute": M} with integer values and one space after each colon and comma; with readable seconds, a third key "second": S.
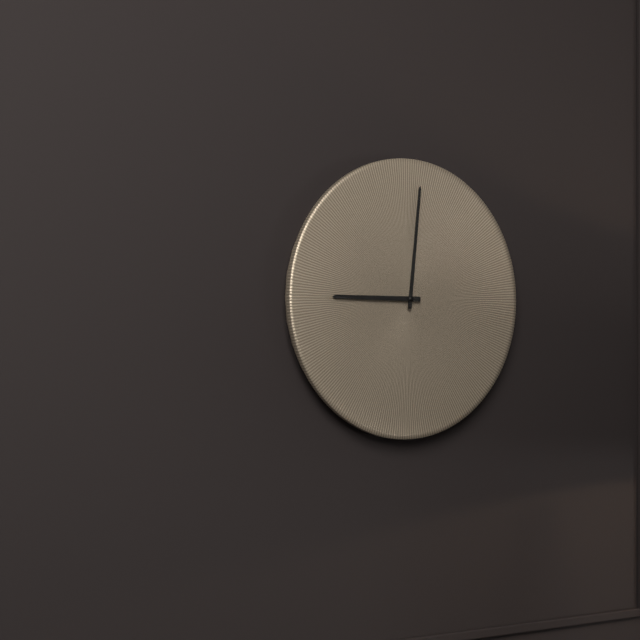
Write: {"hour": 9, "minute": 1}
